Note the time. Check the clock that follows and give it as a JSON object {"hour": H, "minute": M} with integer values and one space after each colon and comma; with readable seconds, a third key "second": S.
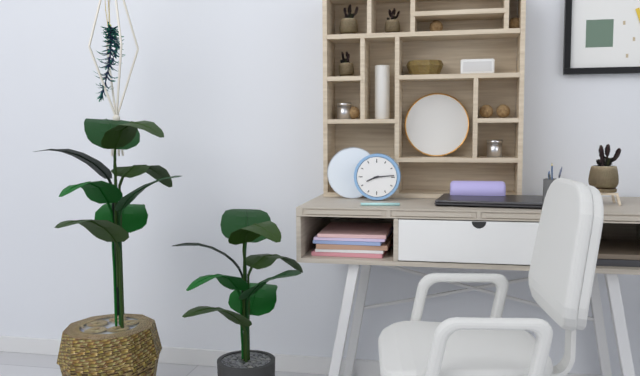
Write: {"hour": 8, "minute": 14}
